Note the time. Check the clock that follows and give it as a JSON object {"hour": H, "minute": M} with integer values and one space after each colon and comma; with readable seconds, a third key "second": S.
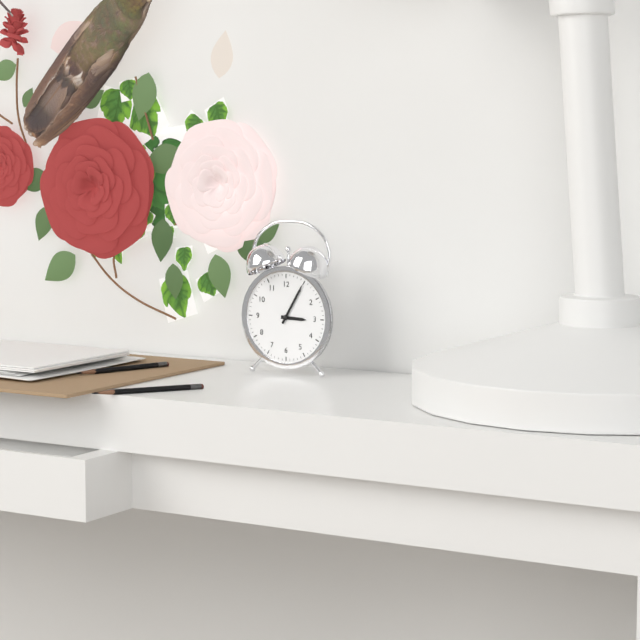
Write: {"hour": 3, "minute": 5}
